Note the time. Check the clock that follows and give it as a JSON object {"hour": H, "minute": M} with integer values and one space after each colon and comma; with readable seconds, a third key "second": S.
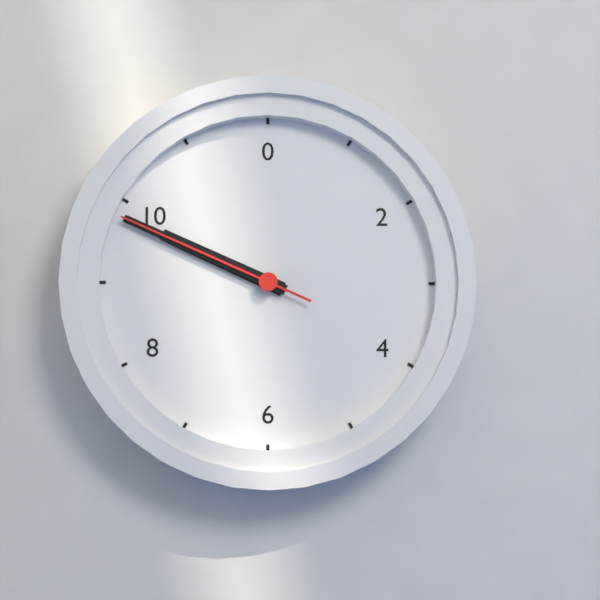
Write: {"hour": 9, "minute": 49, "second": 49}
